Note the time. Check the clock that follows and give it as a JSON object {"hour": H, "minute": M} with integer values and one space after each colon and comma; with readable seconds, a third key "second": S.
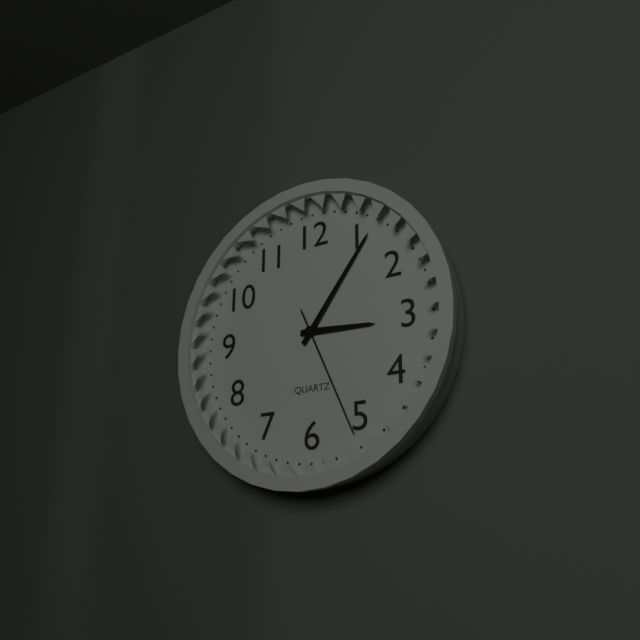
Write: {"hour": 3, "minute": 6, "second": 26}
